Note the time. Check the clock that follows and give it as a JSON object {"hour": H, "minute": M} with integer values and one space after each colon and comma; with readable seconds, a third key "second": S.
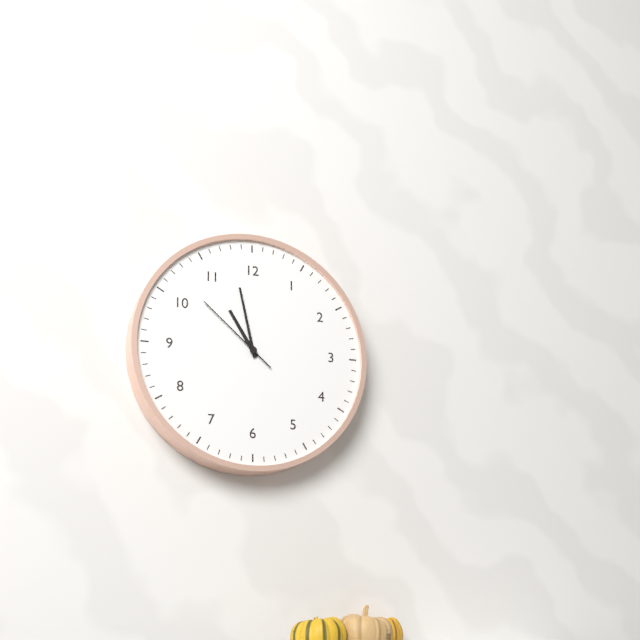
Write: {"hour": 10, "minute": 58, "second": 52}
